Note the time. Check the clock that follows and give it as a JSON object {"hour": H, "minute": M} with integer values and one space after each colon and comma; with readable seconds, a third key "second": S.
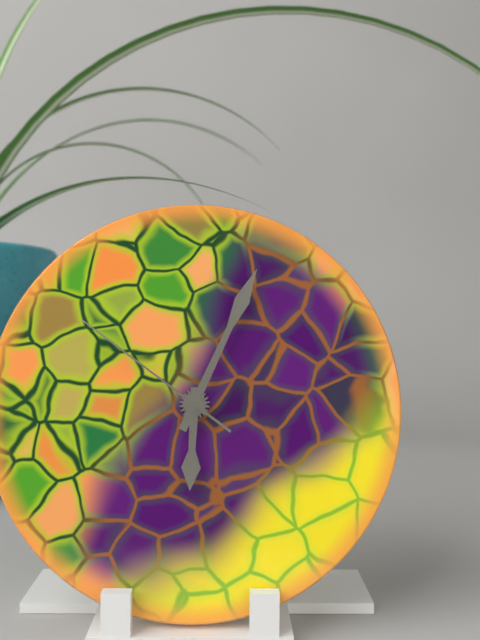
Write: {"hour": 6, "minute": 4, "second": 51}
